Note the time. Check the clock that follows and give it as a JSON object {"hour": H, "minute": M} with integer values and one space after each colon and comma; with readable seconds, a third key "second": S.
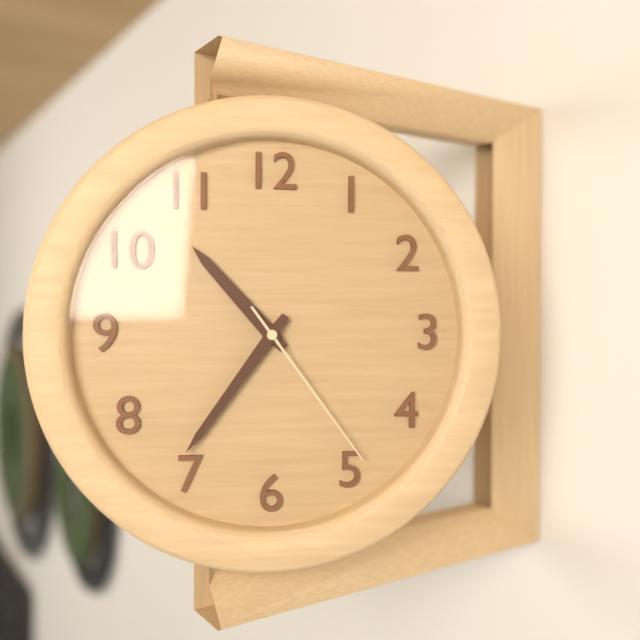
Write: {"hour": 10, "minute": 36, "second": 24}
